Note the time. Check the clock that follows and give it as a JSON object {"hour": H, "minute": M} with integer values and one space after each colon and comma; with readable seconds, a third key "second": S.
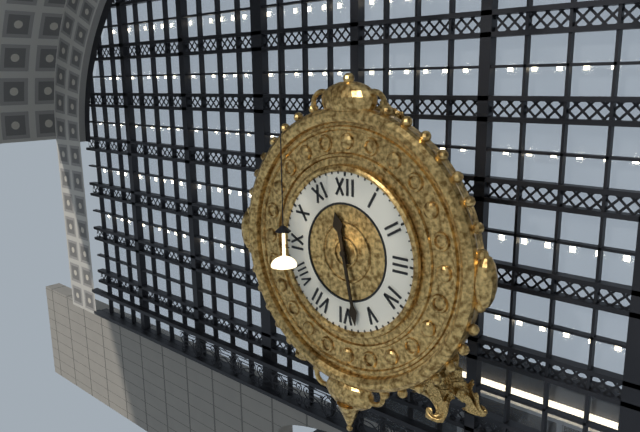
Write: {"hour": 11, "minute": 28}
